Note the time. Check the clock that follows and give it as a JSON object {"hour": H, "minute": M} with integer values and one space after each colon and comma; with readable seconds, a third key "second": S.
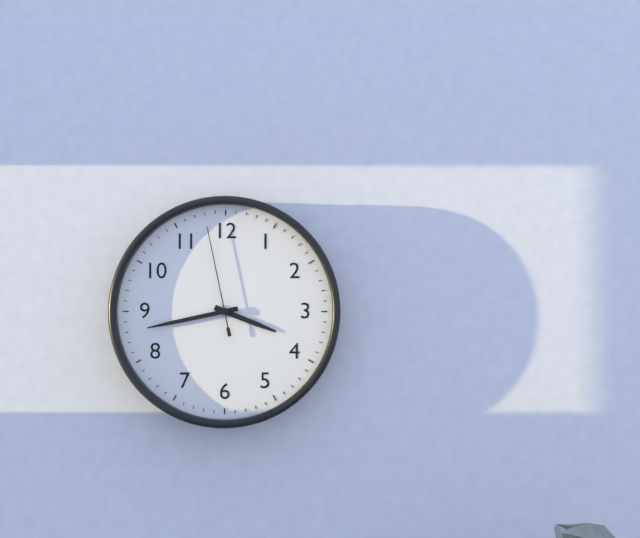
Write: {"hour": 3, "minute": 43, "second": 58}
